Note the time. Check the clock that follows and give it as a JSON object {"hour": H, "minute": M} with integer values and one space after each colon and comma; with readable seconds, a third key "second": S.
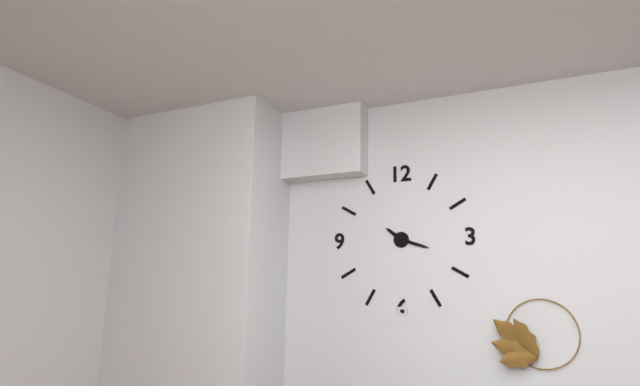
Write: {"hour": 10, "minute": 18}
